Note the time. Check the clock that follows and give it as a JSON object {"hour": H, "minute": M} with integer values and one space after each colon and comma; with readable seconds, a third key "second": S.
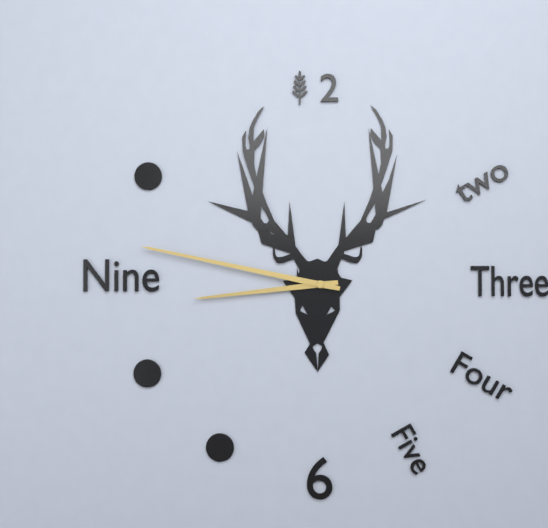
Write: {"hour": 8, "minute": 47}
